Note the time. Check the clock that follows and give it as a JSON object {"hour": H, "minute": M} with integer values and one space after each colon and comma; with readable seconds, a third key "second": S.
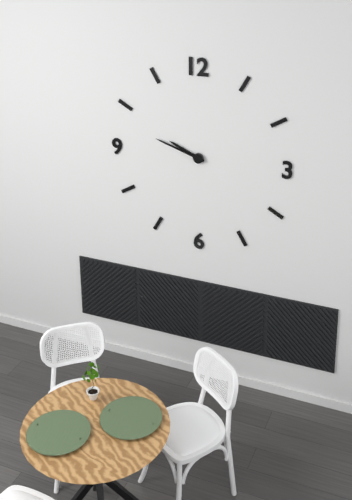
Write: {"hour": 9, "minute": 48}
